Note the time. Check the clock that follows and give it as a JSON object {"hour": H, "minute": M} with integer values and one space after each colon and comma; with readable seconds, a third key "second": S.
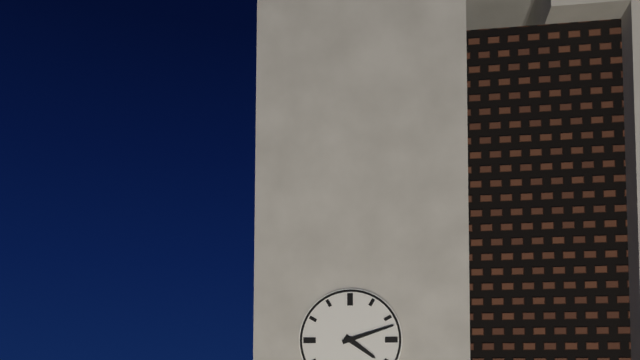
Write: {"hour": 4, "minute": 12}
